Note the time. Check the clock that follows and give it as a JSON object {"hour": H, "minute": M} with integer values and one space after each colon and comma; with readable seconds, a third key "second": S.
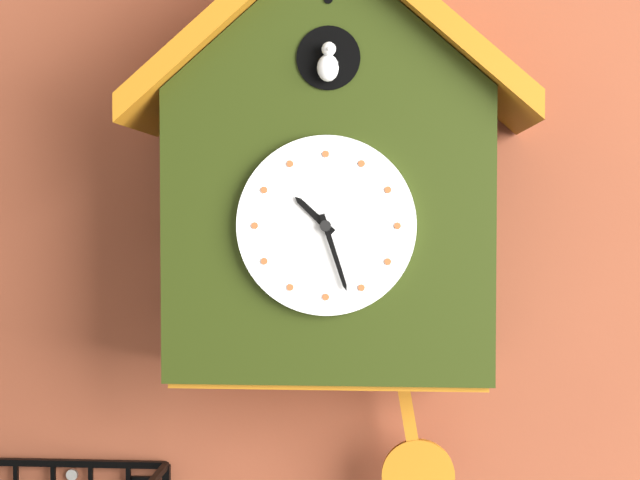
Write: {"hour": 10, "minute": 27}
